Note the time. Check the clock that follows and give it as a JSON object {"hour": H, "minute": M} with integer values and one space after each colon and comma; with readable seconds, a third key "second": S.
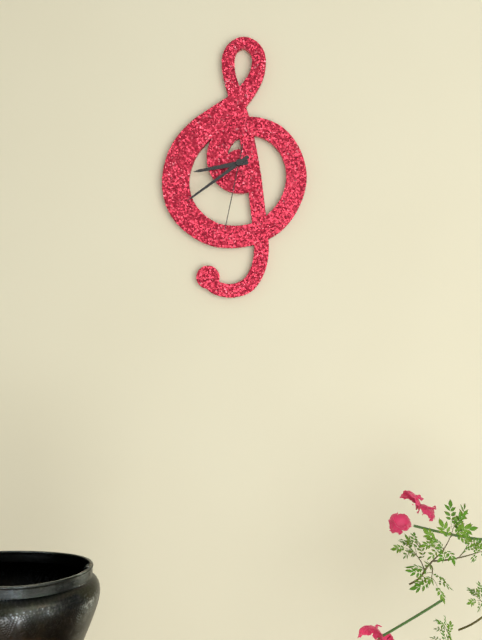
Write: {"hour": 8, "minute": 39, "second": 32}
